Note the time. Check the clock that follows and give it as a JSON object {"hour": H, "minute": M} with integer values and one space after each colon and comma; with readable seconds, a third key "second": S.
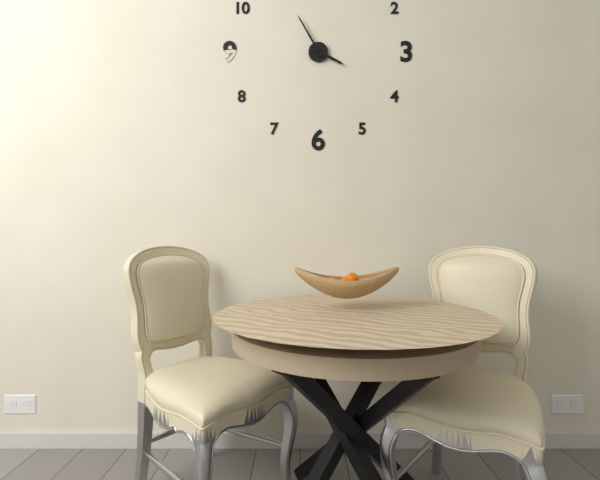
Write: {"hour": 3, "minute": 55}
